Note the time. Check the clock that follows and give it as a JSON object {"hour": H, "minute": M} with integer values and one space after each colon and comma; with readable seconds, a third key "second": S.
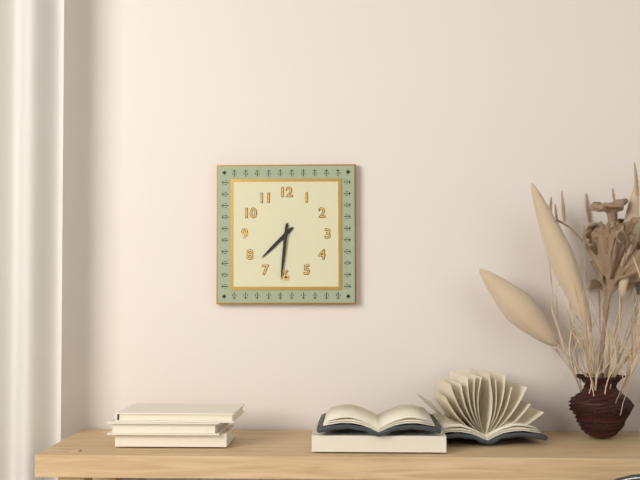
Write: {"hour": 7, "minute": 31}
